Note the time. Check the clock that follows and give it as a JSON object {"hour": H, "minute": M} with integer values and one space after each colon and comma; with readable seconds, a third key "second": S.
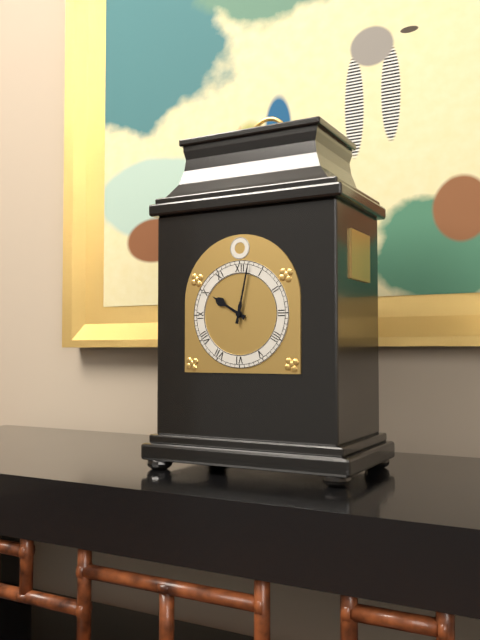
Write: {"hour": 10, "minute": 2}
